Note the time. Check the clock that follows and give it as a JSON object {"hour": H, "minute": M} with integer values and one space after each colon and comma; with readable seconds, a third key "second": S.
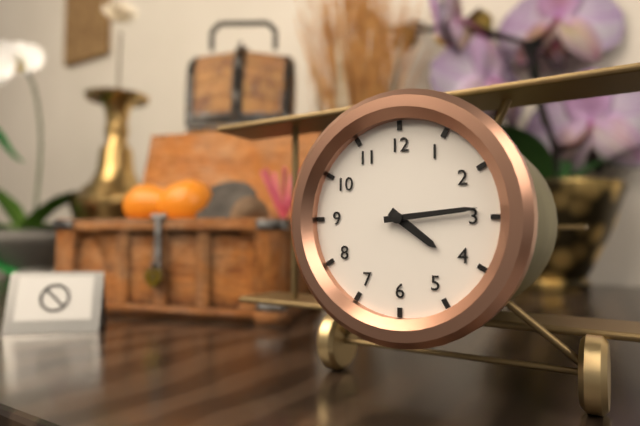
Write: {"hour": 4, "minute": 14}
